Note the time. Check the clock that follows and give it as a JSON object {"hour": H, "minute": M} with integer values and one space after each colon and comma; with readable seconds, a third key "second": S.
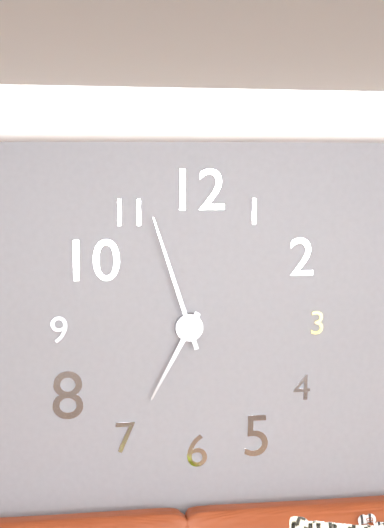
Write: {"hour": 6, "minute": 57}
